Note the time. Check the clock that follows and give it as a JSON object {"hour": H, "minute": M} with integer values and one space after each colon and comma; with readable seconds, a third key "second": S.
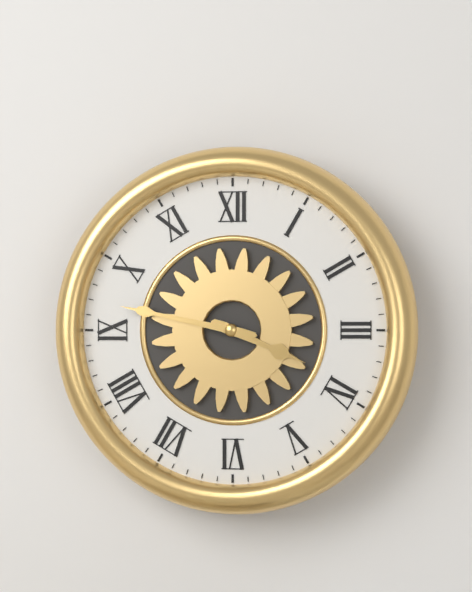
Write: {"hour": 3, "minute": 47}
